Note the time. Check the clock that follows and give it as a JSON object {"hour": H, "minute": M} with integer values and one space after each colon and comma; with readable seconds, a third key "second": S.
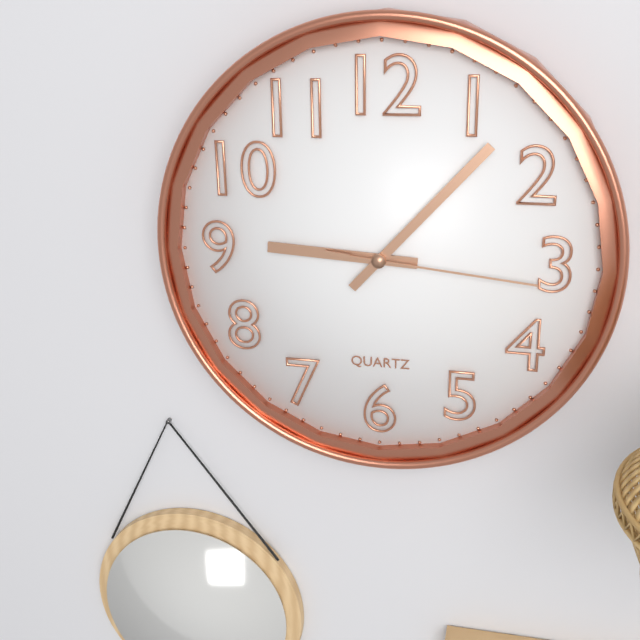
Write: {"hour": 9, "minute": 7, "second": 16}
